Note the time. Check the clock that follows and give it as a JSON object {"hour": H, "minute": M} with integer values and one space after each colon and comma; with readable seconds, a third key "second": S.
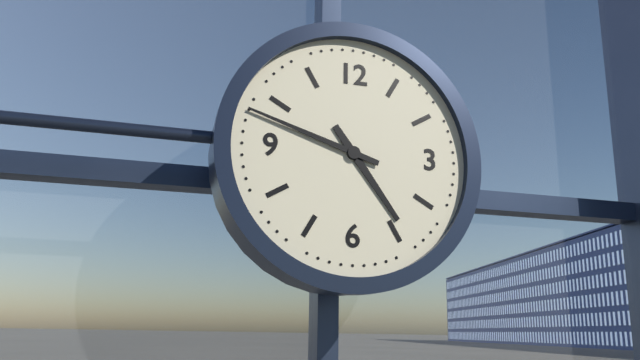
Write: {"hour": 4, "minute": 48}
